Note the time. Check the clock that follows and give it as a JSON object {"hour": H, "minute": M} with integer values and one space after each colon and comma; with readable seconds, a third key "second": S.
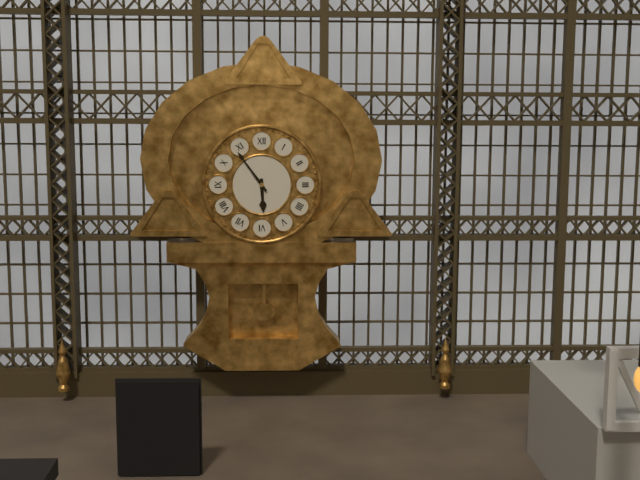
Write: {"hour": 5, "minute": 54}
